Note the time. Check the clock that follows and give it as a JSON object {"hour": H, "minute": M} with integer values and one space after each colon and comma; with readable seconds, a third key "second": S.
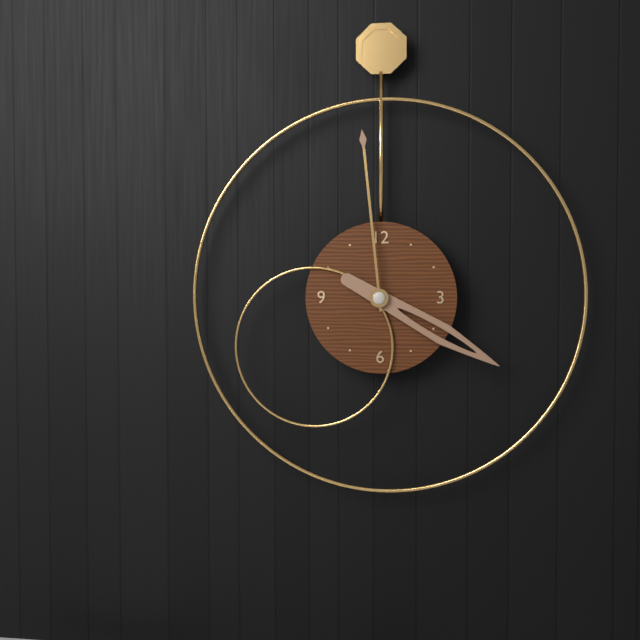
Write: {"hour": 3, "minute": 59}
